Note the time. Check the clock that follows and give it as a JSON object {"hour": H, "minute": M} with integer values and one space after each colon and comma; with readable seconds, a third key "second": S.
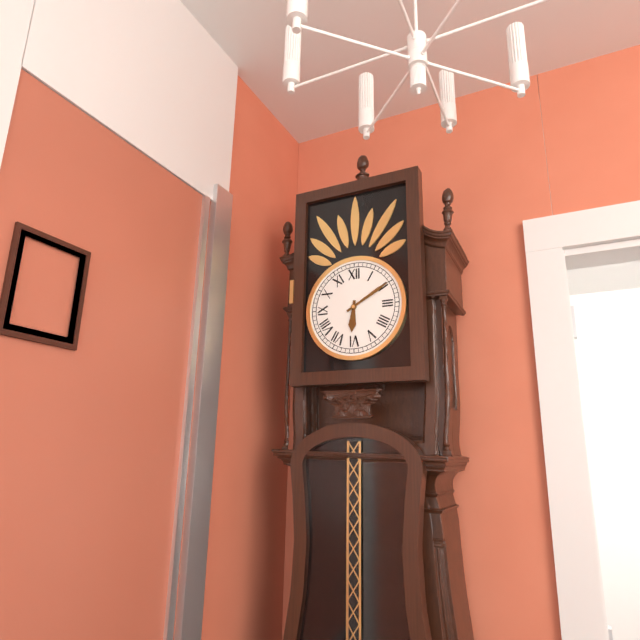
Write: {"hour": 6, "minute": 10}
